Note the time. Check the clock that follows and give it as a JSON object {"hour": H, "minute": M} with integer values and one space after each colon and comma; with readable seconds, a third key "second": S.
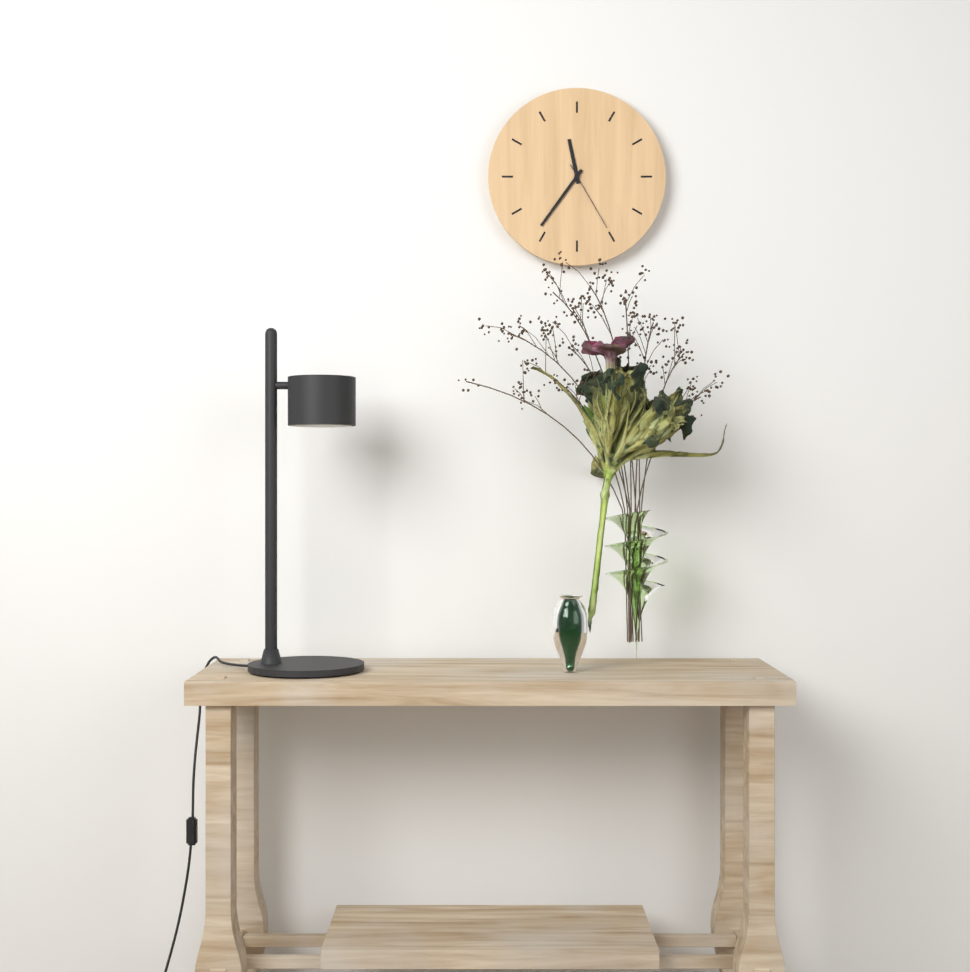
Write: {"hour": 11, "minute": 36, "second": 25}
